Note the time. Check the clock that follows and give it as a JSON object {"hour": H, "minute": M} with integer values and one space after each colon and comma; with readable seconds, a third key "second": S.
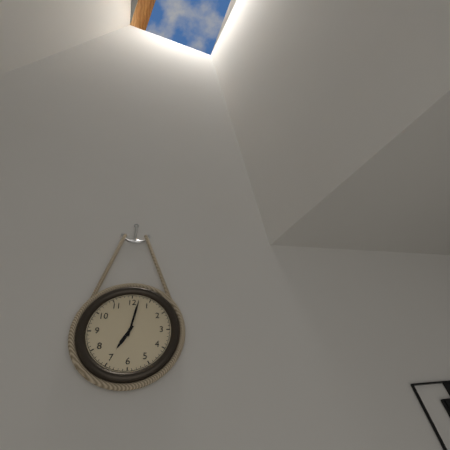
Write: {"hour": 7, "minute": 2}
